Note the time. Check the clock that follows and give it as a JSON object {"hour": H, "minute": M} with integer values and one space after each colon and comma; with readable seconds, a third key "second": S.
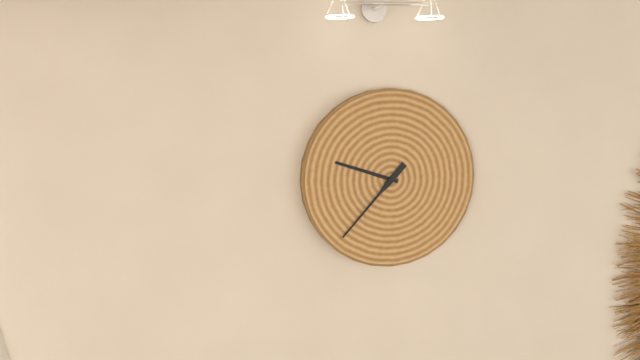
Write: {"hour": 9, "minute": 37}
